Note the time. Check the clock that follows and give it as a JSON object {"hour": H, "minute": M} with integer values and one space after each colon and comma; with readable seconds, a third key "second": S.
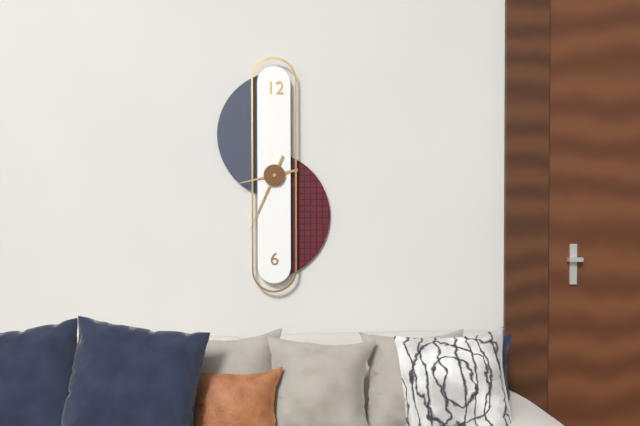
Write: {"hour": 8, "minute": 34}
